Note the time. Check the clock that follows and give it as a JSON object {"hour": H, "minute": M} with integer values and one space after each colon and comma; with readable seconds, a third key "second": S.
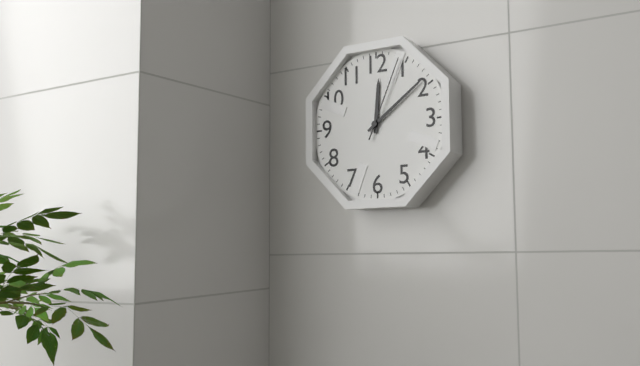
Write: {"hour": 12, "minute": 9, "second": 4}
